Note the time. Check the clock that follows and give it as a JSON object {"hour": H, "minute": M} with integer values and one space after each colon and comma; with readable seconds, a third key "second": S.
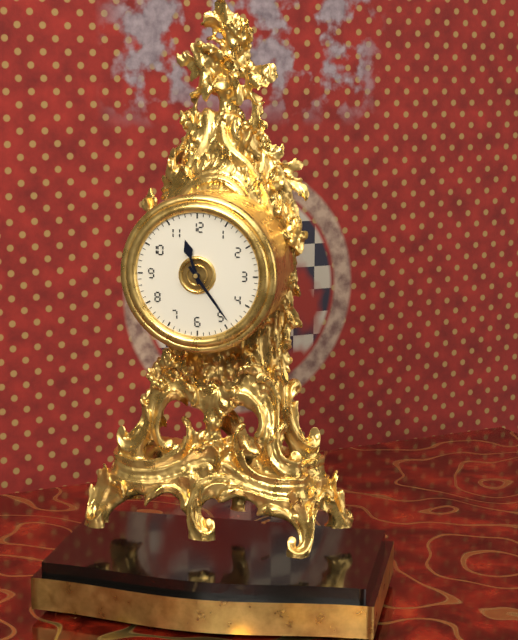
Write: {"hour": 11, "minute": 24}
